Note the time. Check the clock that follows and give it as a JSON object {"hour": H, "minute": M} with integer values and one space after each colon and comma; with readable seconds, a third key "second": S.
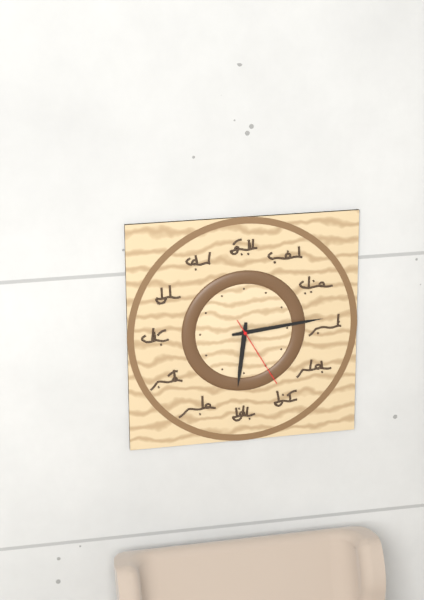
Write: {"hour": 6, "minute": 14, "second": 25}
